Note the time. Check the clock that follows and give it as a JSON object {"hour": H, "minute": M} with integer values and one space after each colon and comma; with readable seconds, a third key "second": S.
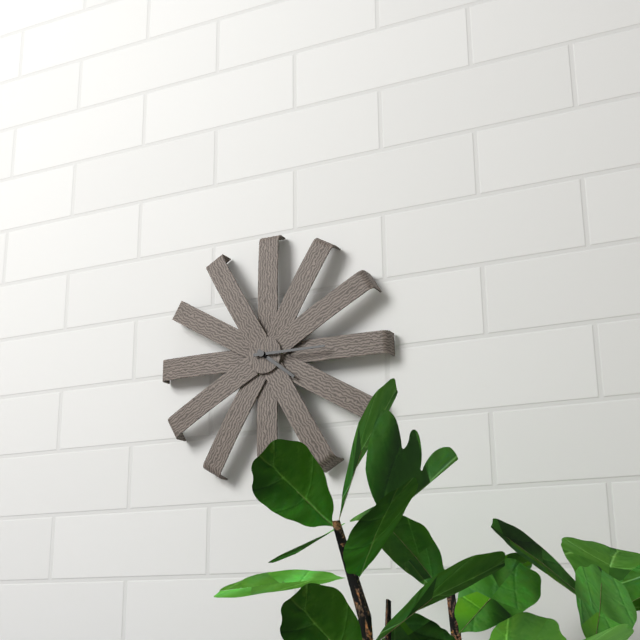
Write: {"hour": 4, "minute": 15}
